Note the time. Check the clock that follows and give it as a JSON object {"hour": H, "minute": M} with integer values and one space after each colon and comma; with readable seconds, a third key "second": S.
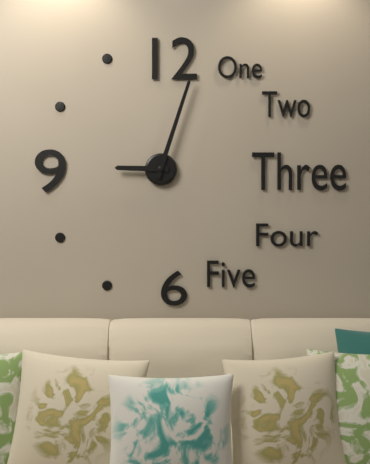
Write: {"hour": 9, "minute": 3}
